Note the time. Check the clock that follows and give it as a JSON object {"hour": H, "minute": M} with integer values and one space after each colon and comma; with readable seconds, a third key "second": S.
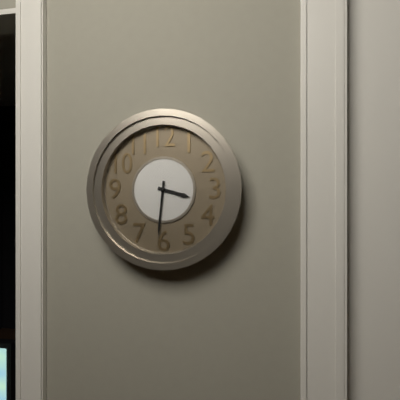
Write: {"hour": 3, "minute": 31}
